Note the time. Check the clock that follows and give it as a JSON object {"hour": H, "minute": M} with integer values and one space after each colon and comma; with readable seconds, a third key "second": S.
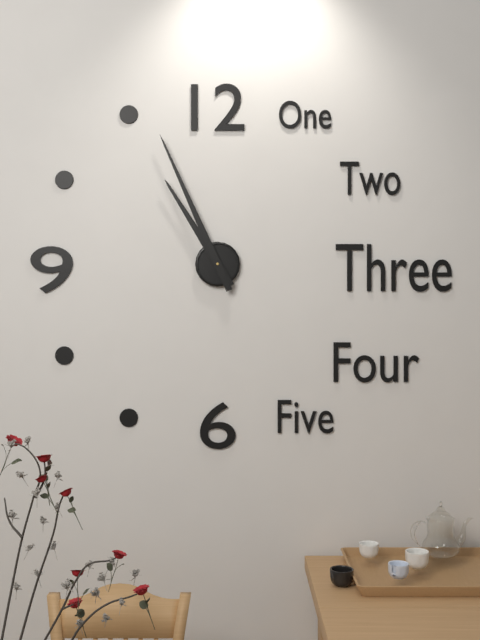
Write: {"hour": 10, "minute": 56}
